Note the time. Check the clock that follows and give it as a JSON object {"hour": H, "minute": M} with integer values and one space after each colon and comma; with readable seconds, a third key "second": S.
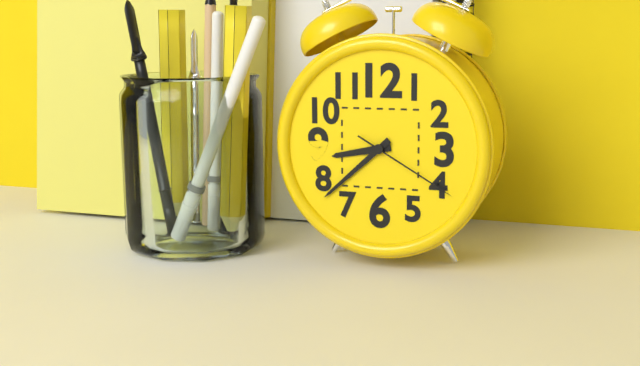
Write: {"hour": 8, "minute": 38, "second": 20}
